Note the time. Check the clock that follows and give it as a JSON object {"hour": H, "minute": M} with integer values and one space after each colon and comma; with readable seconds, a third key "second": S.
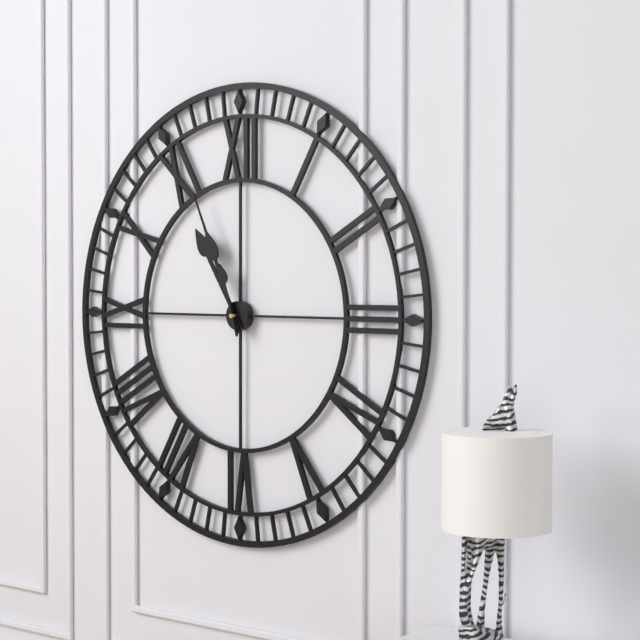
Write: {"hour": 10, "minute": 56, "second": 57}
